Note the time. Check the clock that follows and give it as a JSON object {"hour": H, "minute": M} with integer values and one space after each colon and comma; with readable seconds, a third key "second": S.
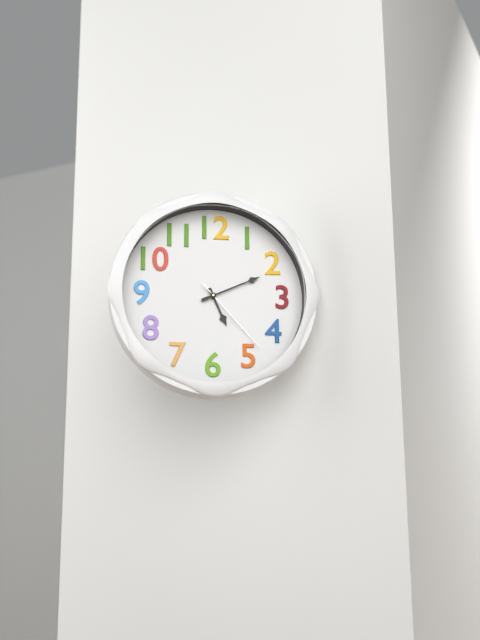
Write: {"hour": 5, "minute": 11, "second": 23}
